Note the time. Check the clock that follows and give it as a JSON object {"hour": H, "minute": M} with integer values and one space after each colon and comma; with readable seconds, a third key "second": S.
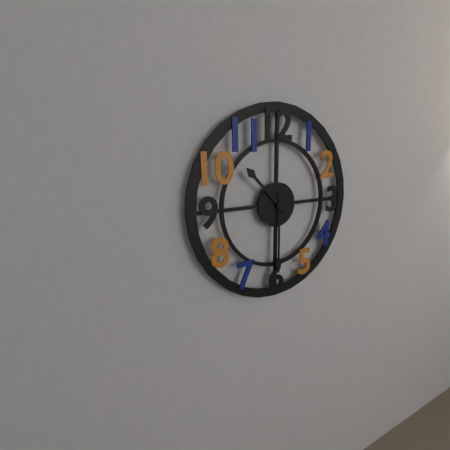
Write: {"hour": 10, "minute": 30}
